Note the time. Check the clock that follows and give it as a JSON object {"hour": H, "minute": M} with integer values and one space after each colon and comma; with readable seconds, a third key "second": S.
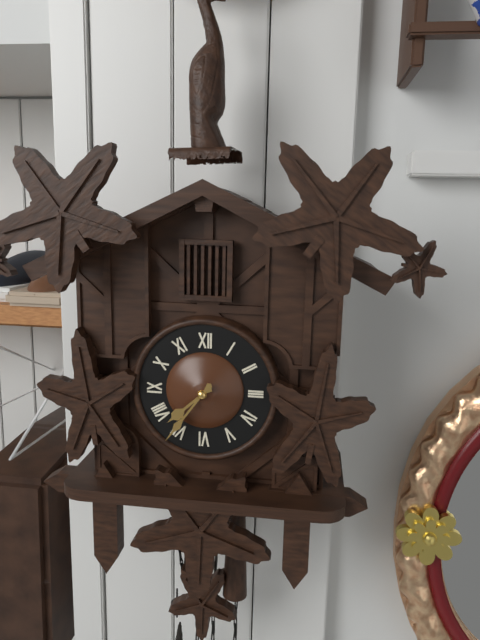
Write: {"hour": 7, "minute": 36}
